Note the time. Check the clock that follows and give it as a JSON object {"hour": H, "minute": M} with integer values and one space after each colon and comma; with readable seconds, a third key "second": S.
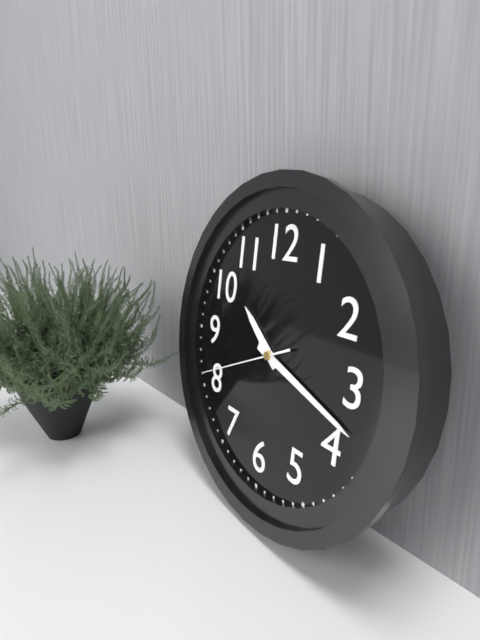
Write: {"hour": 10, "minute": 18, "second": 41}
